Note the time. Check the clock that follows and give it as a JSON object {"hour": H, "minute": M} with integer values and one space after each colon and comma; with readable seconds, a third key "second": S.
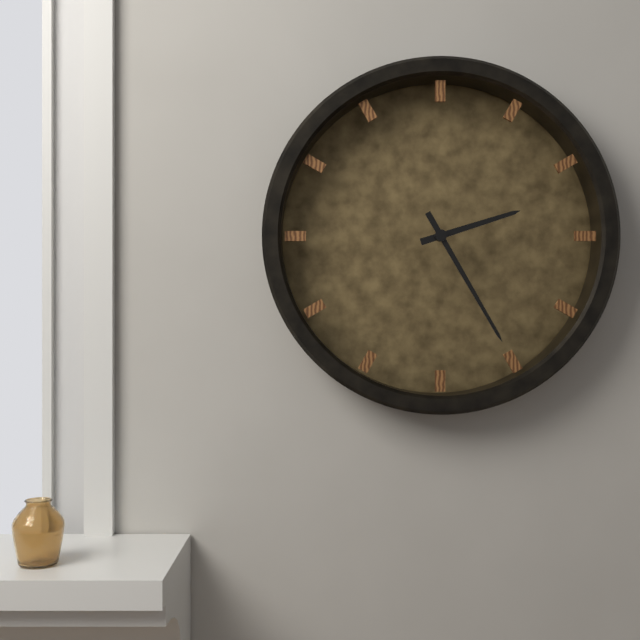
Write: {"hour": 2, "minute": 25}
